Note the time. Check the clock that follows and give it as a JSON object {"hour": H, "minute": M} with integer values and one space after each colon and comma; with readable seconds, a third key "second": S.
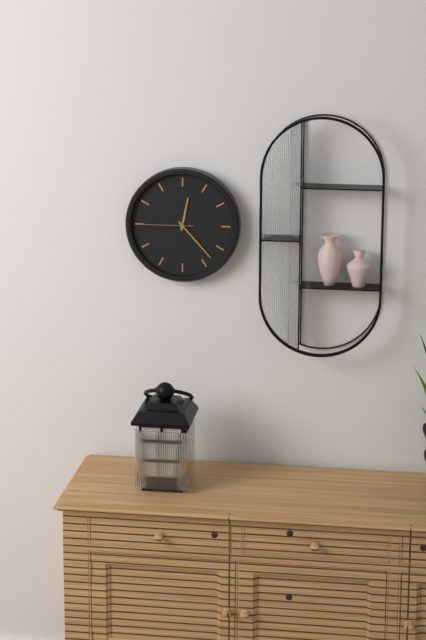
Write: {"hour": 12, "minute": 23, "second": 45}
